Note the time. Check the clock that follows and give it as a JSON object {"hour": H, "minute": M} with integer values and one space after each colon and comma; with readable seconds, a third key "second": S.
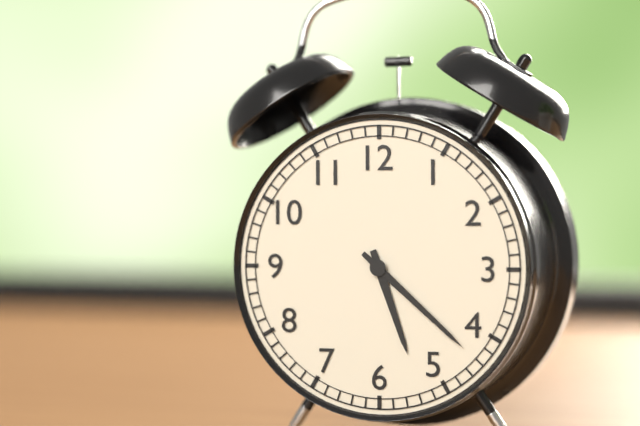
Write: {"hour": 5, "minute": 22}
